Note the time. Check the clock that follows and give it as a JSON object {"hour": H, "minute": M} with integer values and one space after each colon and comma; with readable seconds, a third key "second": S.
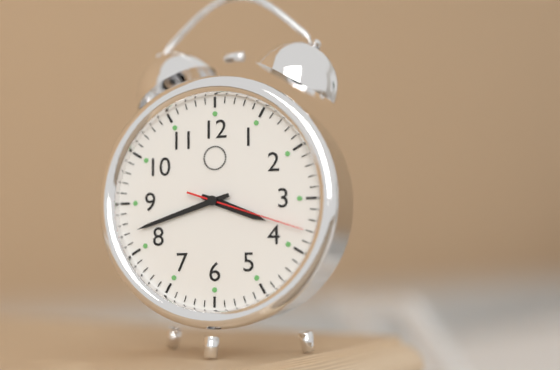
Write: {"hour": 3, "minute": 42, "second": 18}
